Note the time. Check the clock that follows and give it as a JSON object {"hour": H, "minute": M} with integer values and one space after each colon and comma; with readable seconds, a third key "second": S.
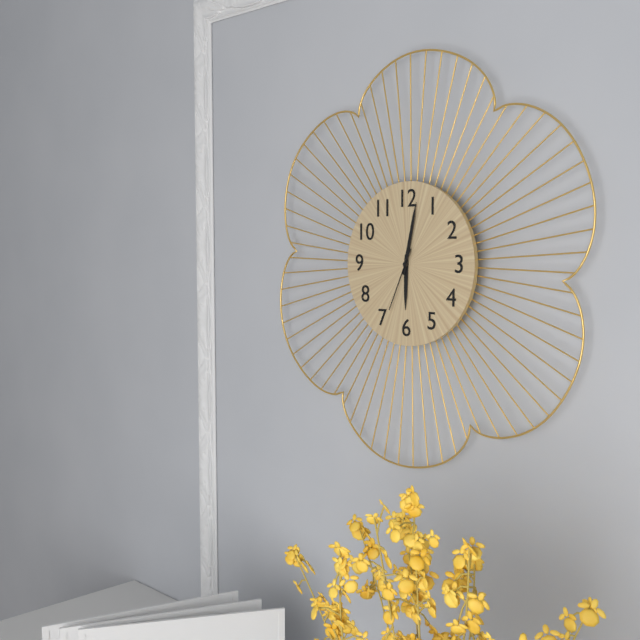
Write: {"hour": 6, "minute": 2, "second": 34}
